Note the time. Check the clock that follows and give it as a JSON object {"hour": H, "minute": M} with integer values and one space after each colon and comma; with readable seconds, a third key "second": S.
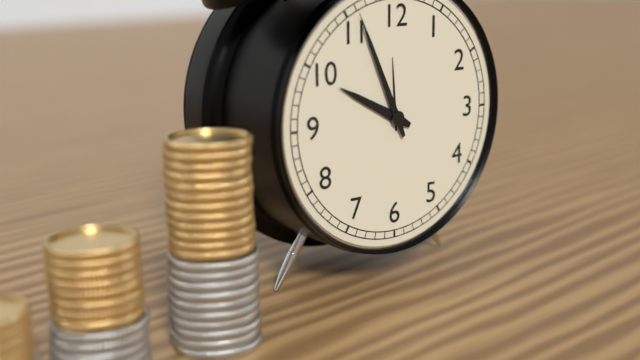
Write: {"hour": 9, "minute": 56}
